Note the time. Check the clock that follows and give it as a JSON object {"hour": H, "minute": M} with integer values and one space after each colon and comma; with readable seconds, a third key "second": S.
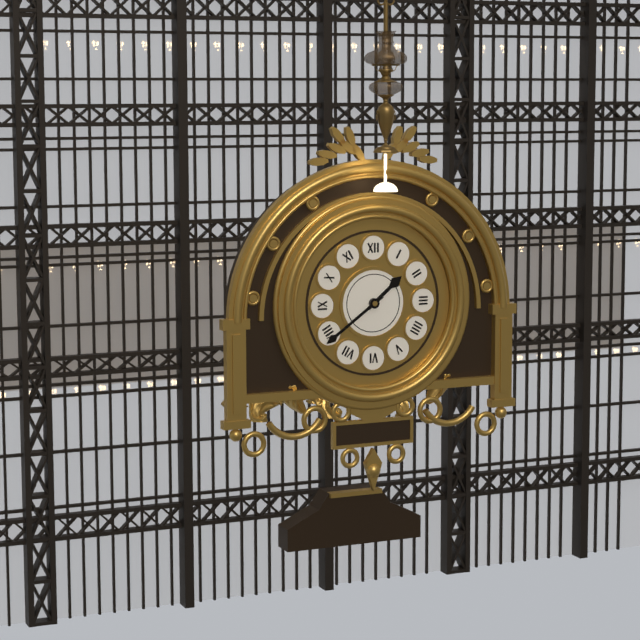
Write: {"hour": 1, "minute": 39}
